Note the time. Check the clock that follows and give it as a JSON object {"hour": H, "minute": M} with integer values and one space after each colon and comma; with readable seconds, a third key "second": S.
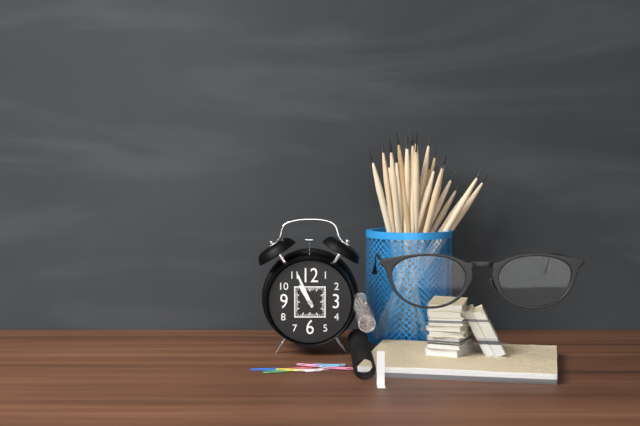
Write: {"hour": 10, "minute": 56}
